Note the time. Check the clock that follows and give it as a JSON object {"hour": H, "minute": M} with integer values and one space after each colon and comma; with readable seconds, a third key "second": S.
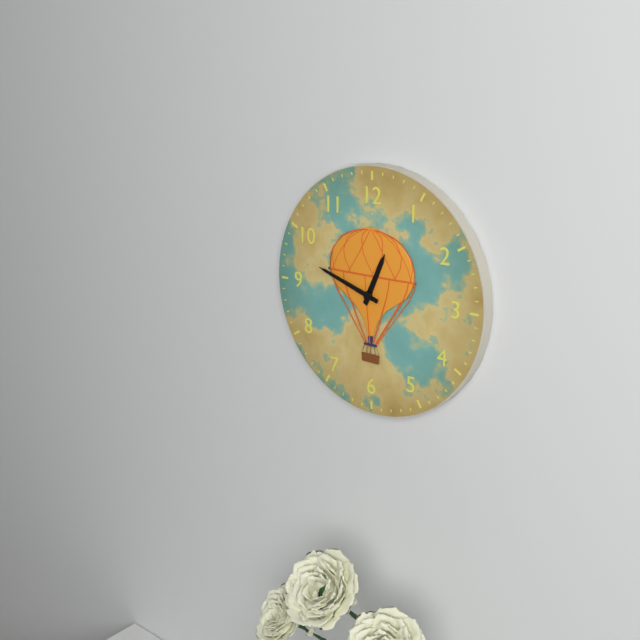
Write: {"hour": 12, "minute": 48}
